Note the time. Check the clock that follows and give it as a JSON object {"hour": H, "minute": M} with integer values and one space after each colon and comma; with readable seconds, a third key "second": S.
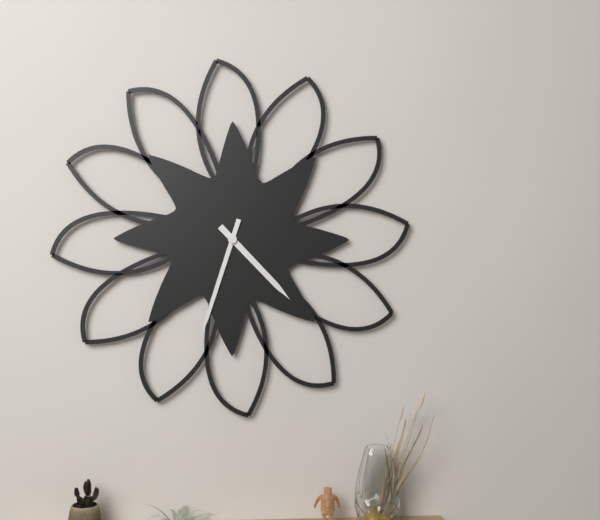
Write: {"hour": 4, "minute": 33}
